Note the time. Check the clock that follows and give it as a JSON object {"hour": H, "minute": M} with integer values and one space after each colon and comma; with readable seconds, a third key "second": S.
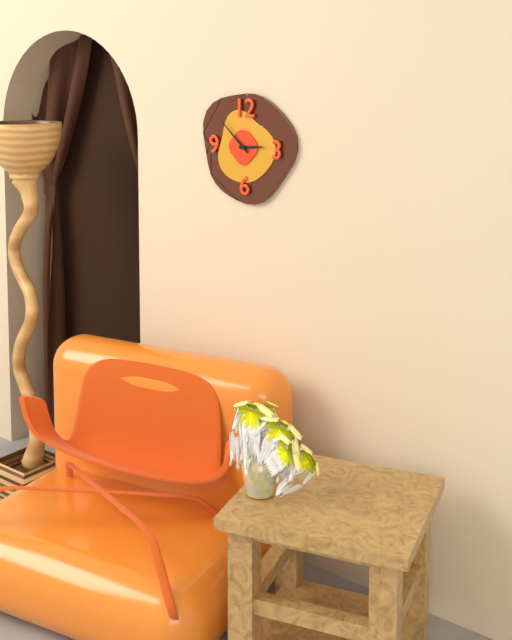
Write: {"hour": 2, "minute": 52}
